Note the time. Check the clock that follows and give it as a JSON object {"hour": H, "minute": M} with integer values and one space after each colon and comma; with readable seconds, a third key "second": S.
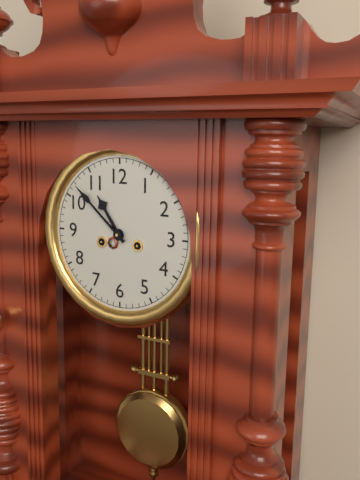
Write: {"hour": 10, "minute": 52}
